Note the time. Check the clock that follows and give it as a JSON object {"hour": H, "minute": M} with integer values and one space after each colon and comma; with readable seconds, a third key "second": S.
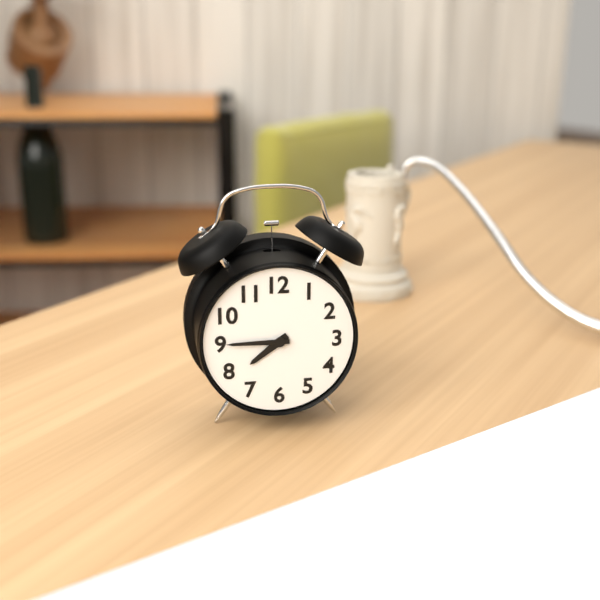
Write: {"hour": 7, "minute": 45}
